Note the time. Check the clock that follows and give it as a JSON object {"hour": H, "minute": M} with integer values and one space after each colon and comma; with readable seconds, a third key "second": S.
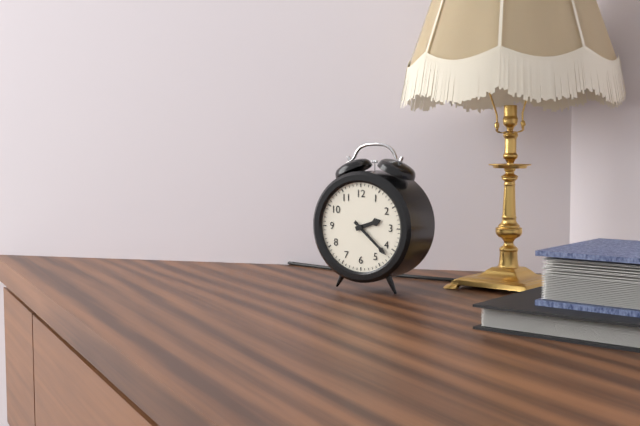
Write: {"hour": 2, "minute": 22}
